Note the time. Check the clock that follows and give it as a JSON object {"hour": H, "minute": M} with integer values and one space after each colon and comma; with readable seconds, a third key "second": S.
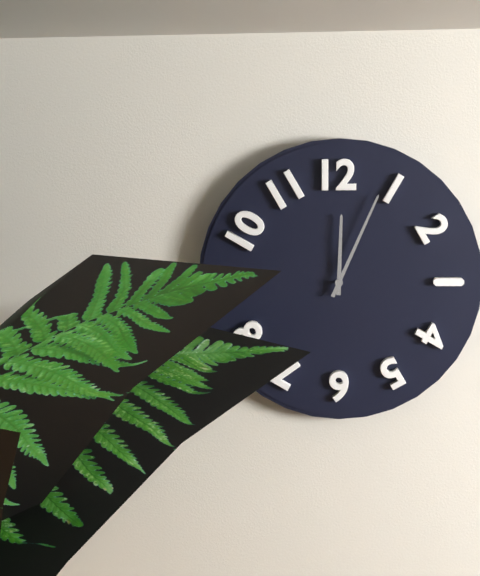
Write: {"hour": 12, "minute": 4}
